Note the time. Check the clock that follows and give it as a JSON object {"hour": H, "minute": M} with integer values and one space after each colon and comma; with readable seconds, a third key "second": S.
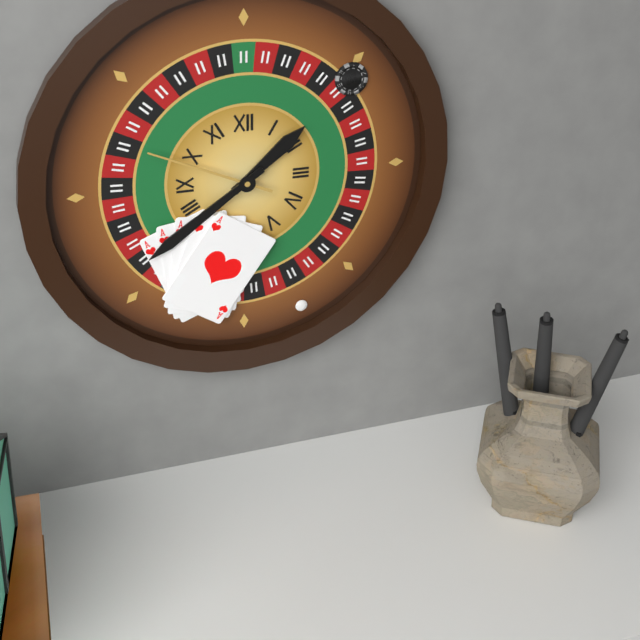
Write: {"hour": 1, "minute": 39, "second": 49}
